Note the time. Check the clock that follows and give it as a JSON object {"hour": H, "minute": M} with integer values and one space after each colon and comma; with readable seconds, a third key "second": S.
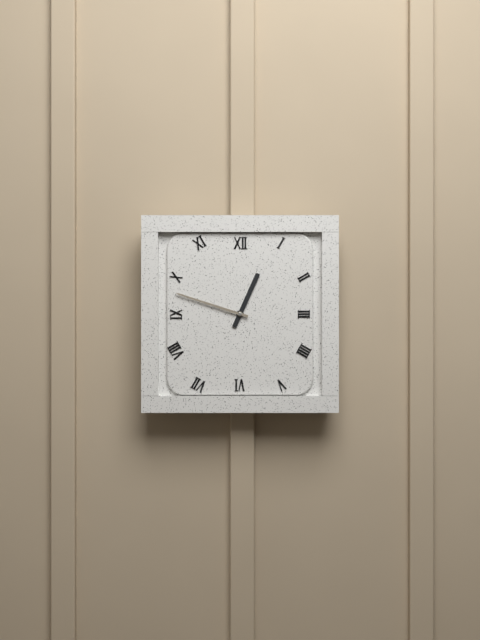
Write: {"hour": 12, "minute": 48}
